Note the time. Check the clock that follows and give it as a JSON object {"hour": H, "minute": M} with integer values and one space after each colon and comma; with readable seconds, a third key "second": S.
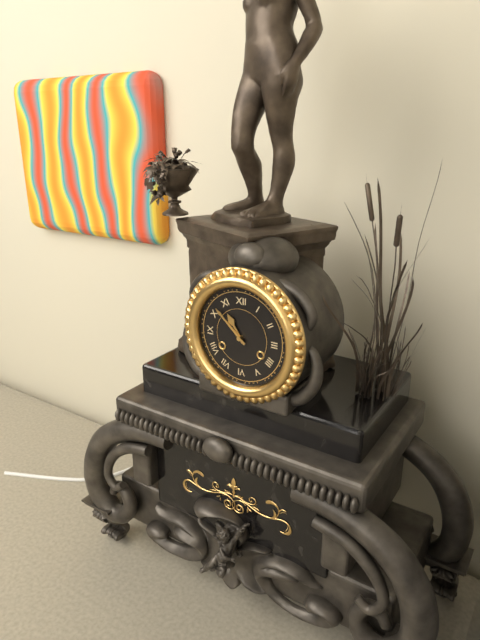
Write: {"hour": 10, "minute": 52}
